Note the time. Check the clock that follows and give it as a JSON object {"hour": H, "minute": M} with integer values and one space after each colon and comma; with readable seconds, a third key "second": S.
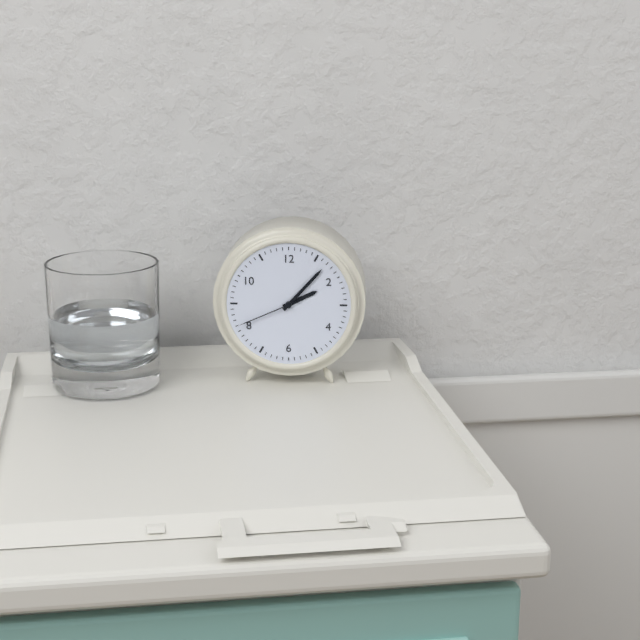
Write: {"hour": 2, "minute": 7, "second": 41}
